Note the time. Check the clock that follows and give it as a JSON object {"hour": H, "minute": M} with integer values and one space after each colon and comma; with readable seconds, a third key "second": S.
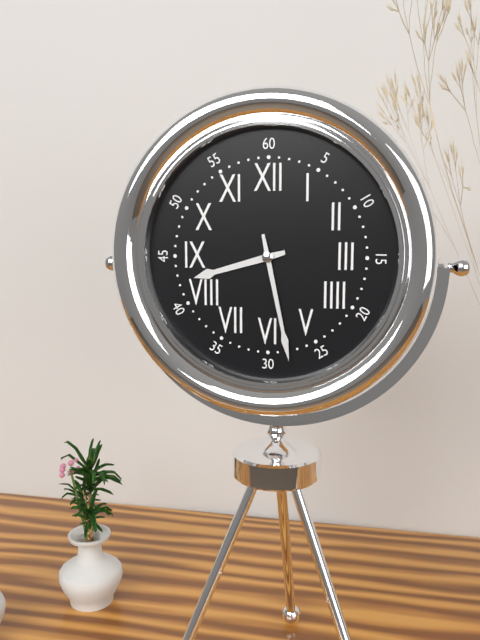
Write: {"hour": 8, "minute": 28}
